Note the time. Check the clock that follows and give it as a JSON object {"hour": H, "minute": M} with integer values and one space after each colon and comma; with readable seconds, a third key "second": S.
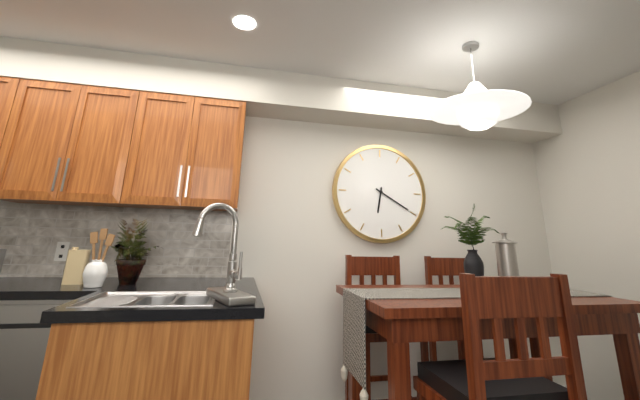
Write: {"hour": 6, "minute": 20}
